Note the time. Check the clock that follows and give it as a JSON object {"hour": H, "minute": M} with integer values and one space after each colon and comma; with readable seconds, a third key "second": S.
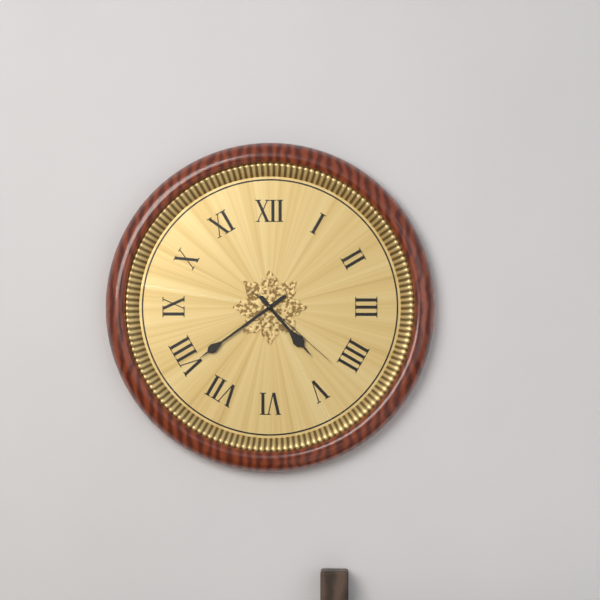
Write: {"hour": 4, "minute": 39, "second": 22}
